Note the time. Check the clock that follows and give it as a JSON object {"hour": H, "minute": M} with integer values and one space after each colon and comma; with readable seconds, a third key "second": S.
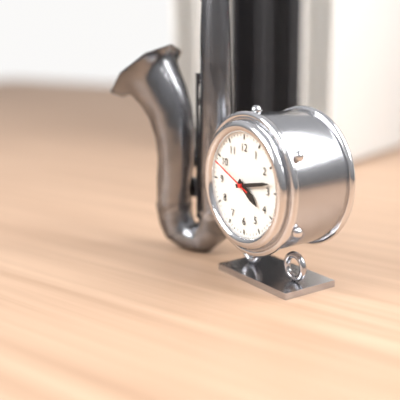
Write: {"hour": 4, "minute": 13}
